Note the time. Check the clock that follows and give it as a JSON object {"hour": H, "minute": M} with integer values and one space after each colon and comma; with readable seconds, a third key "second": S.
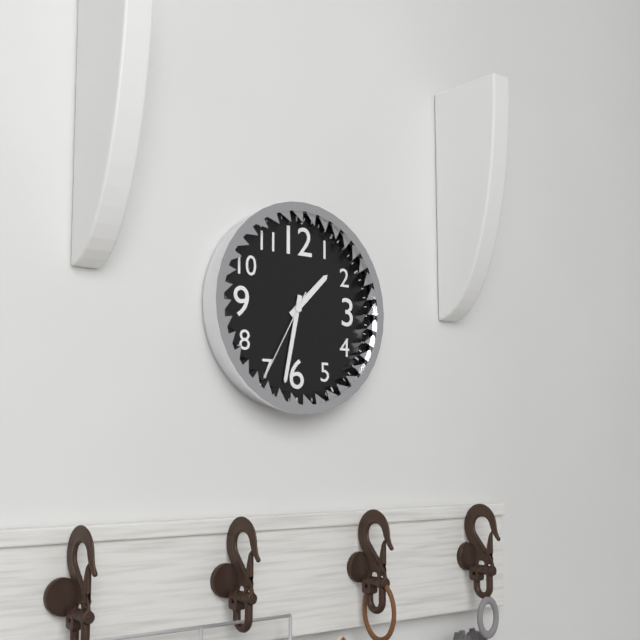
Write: {"hour": 1, "minute": 32, "second": 35}
